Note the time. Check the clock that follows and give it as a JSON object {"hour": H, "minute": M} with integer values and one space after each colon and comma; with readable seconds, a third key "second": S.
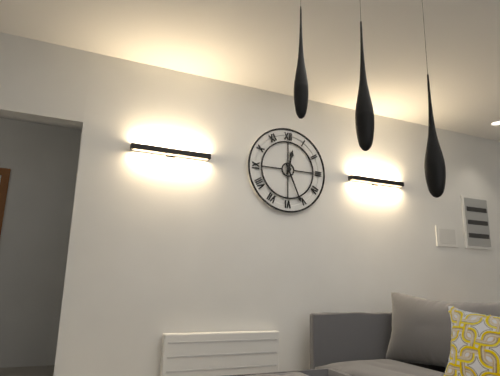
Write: {"hour": 12, "minute": 26}
